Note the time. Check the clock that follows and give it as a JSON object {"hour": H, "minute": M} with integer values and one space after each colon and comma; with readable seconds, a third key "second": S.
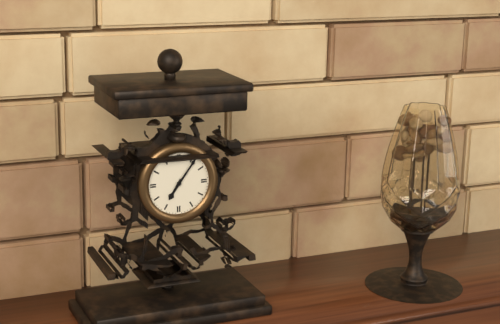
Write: {"hour": 7, "minute": 6}
